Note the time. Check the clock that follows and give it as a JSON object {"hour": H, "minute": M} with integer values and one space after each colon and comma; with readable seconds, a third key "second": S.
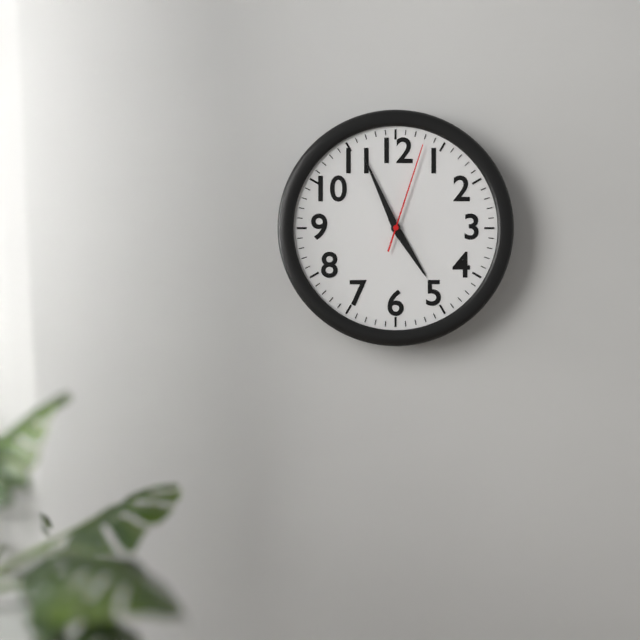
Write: {"hour": 4, "minute": 56, "second": 3}
